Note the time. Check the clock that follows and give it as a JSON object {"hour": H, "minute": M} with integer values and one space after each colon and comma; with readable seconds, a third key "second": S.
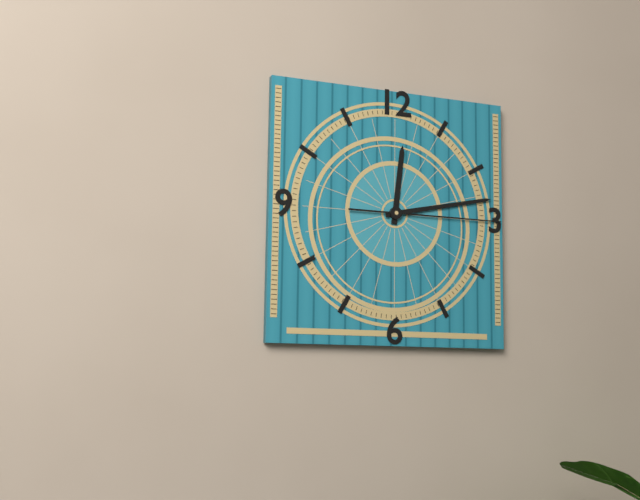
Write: {"hour": 12, "minute": 13, "second": 15}
